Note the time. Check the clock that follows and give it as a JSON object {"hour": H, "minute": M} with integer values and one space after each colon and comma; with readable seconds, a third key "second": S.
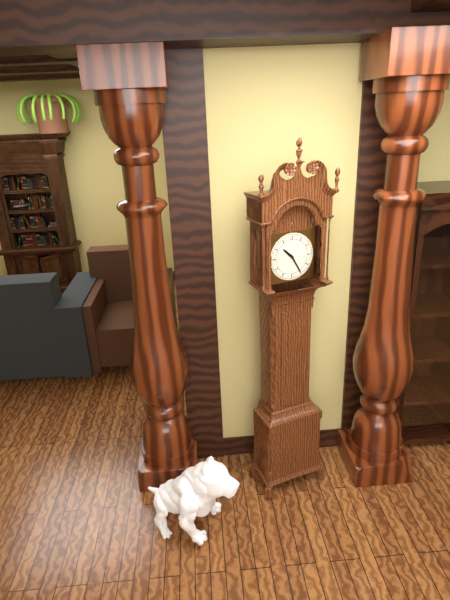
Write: {"hour": 10, "minute": 25}
